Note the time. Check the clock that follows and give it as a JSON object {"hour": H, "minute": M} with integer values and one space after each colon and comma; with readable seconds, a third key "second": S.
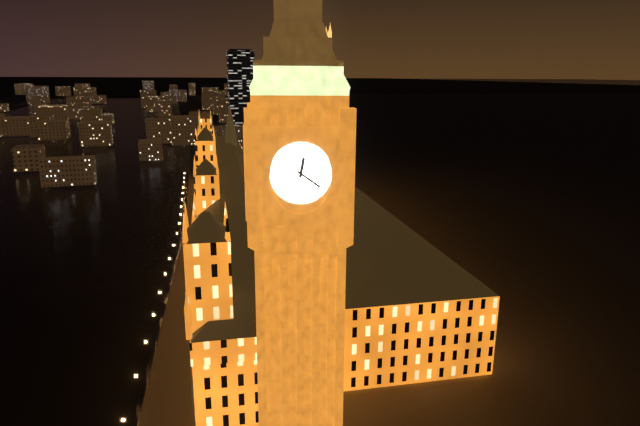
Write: {"hour": 12, "minute": 21}
